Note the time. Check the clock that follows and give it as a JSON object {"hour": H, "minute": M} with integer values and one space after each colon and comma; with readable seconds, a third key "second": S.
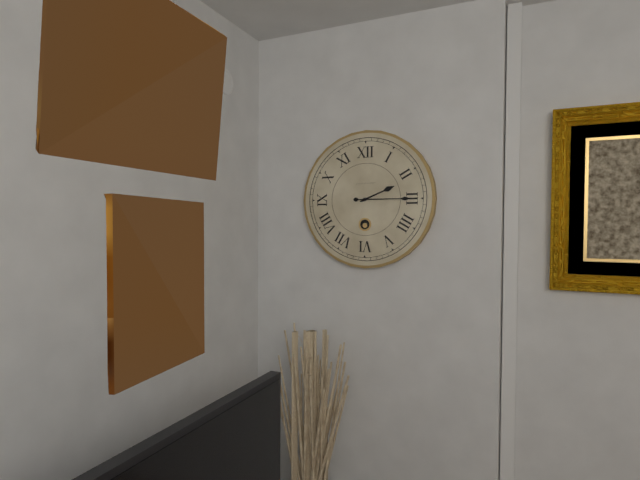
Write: {"hour": 2, "minute": 15}
